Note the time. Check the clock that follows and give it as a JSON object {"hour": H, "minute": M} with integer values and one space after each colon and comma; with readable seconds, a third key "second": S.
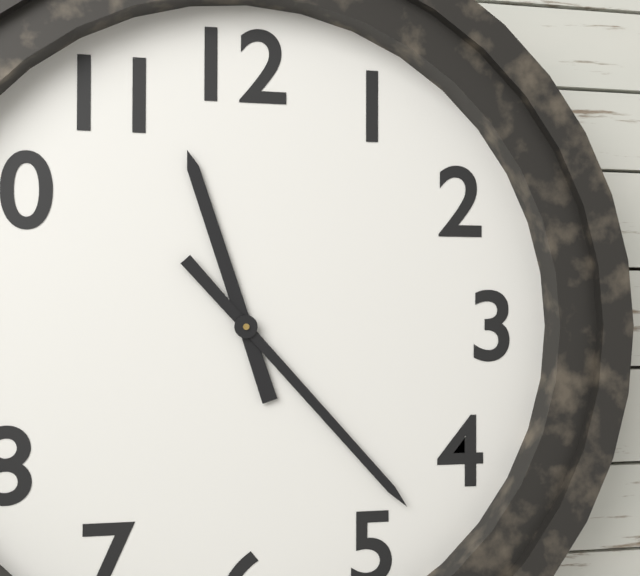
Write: {"hour": 11, "minute": 23}
